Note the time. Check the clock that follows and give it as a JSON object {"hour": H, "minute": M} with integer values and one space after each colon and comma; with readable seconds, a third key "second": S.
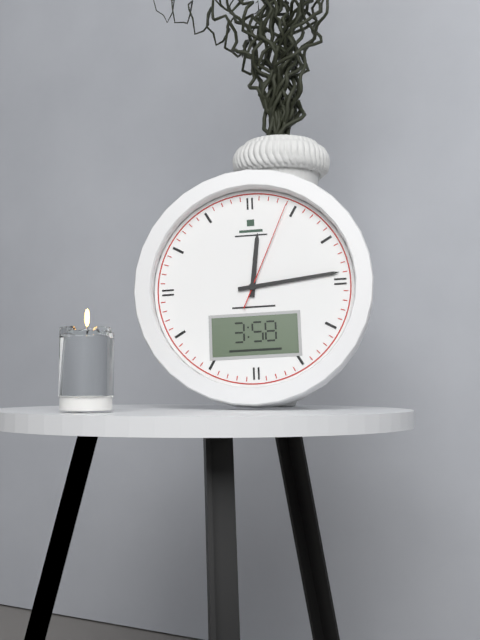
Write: {"hour": 12, "minute": 14, "second": 4}
